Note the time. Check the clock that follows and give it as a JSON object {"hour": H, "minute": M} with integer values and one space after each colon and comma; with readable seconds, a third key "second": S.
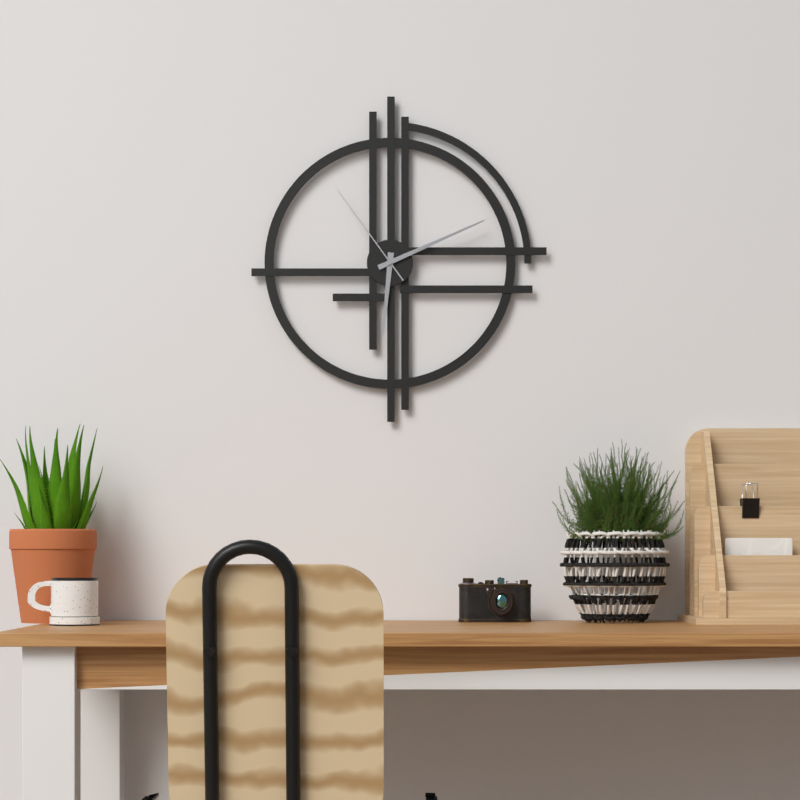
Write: {"hour": 6, "minute": 11, "second": 54}
